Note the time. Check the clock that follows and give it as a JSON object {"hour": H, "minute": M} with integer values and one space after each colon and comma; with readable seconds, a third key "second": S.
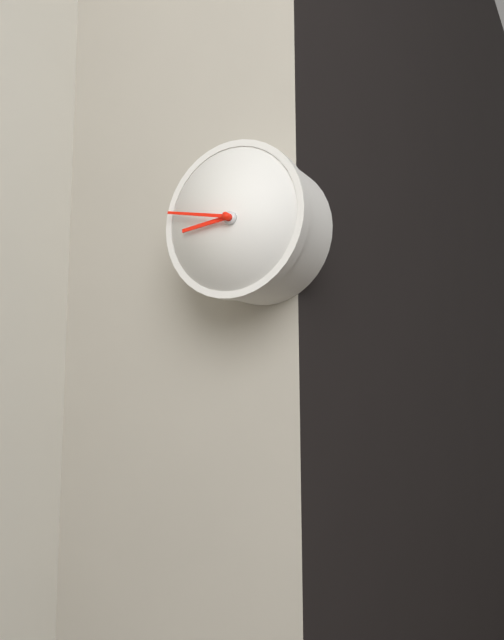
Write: {"hour": 8, "minute": 47}
